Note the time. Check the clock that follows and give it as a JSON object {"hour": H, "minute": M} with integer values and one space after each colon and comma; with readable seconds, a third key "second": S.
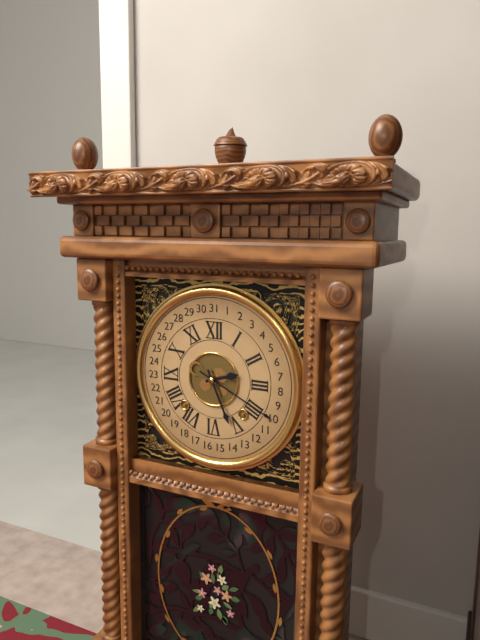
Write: {"hour": 2, "minute": 26}
